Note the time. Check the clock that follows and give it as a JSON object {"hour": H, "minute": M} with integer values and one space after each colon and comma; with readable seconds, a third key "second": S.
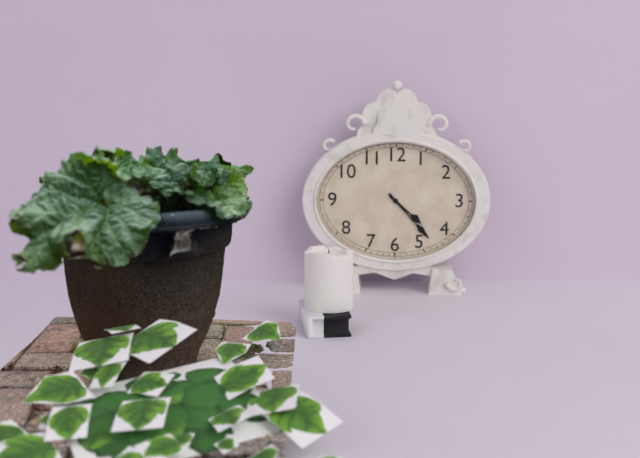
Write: {"hour": 4, "minute": 23}
